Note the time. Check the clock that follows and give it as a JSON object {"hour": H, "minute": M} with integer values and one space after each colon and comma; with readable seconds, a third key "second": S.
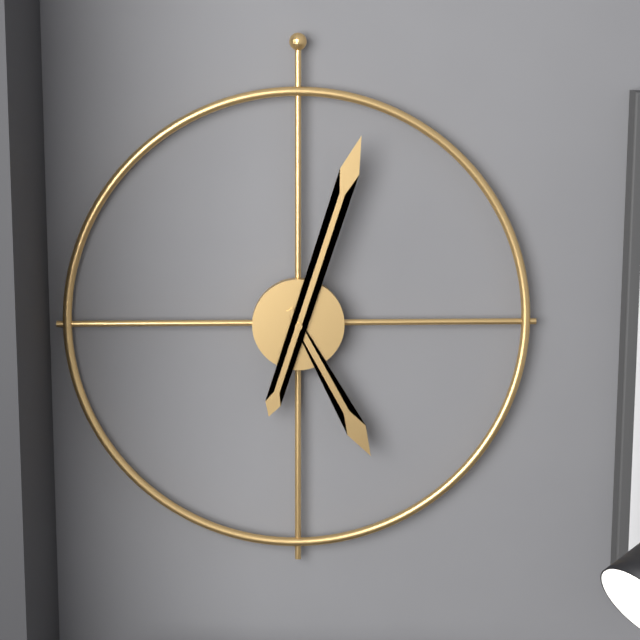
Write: {"hour": 5, "minute": 3}
